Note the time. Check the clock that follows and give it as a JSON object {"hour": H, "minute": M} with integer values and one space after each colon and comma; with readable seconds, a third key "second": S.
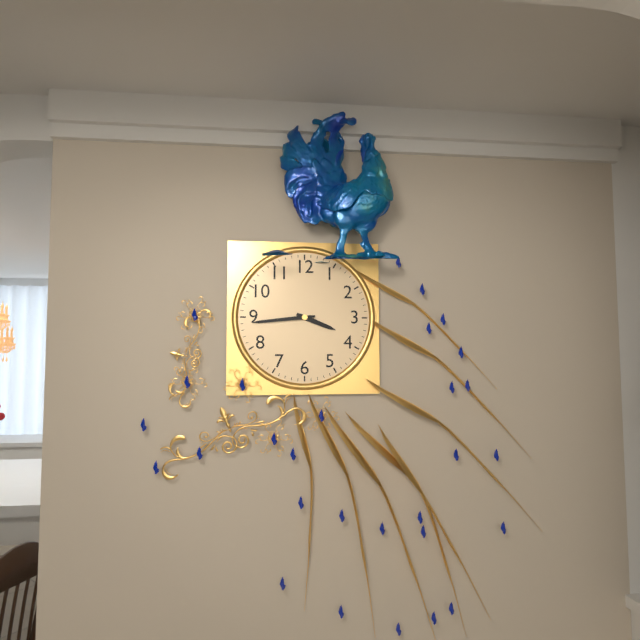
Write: {"hour": 3, "minute": 44}
